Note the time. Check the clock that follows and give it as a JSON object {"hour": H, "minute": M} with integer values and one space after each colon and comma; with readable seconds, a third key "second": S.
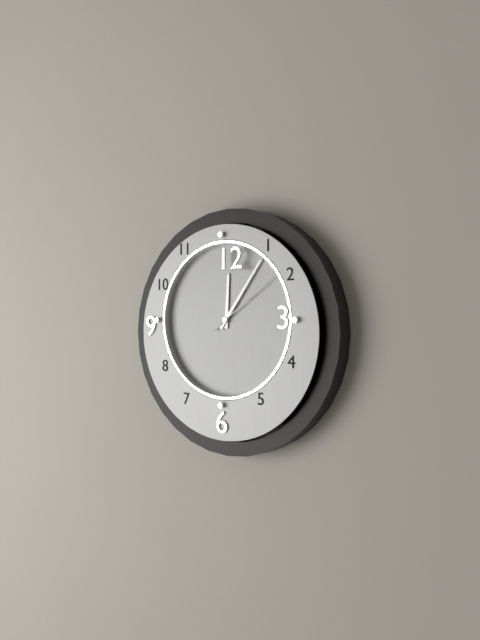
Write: {"hour": 12, "minute": 6, "second": 9}
